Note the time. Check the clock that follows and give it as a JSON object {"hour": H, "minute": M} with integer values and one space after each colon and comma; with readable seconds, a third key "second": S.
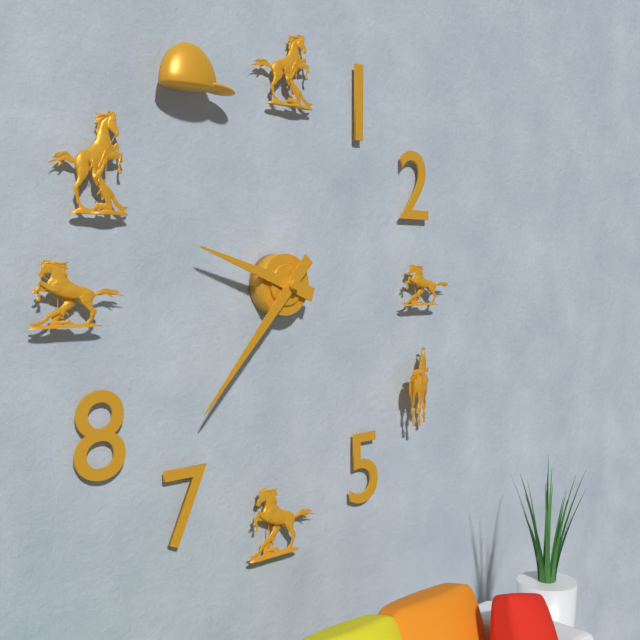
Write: {"hour": 9, "minute": 37}
